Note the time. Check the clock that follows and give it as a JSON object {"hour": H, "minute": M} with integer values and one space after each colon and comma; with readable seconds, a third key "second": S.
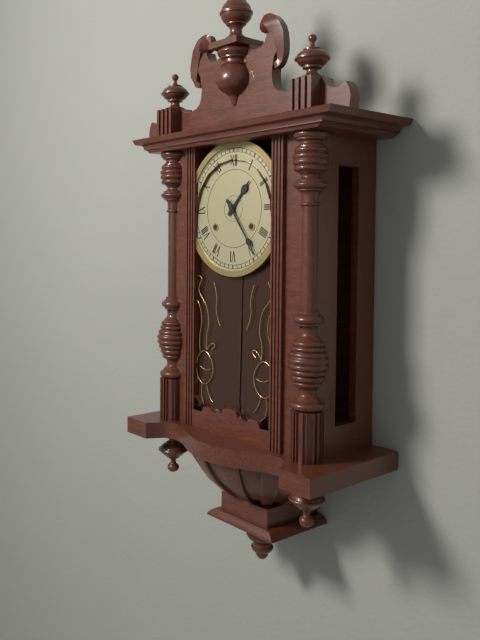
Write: {"hour": 1, "minute": 24}
